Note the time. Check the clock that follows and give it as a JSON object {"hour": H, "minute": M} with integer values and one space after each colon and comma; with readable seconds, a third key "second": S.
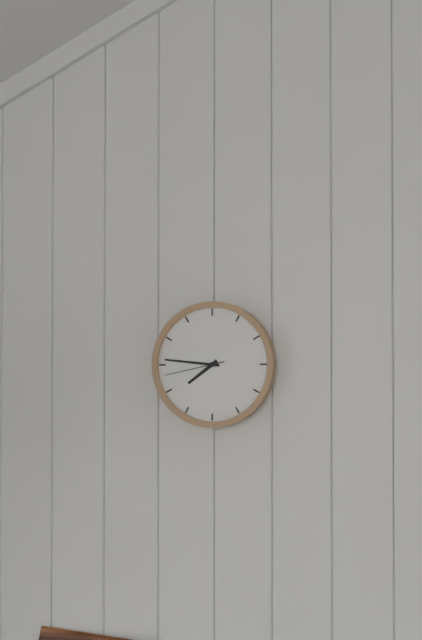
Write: {"hour": 7, "minute": 46, "second": 43}
